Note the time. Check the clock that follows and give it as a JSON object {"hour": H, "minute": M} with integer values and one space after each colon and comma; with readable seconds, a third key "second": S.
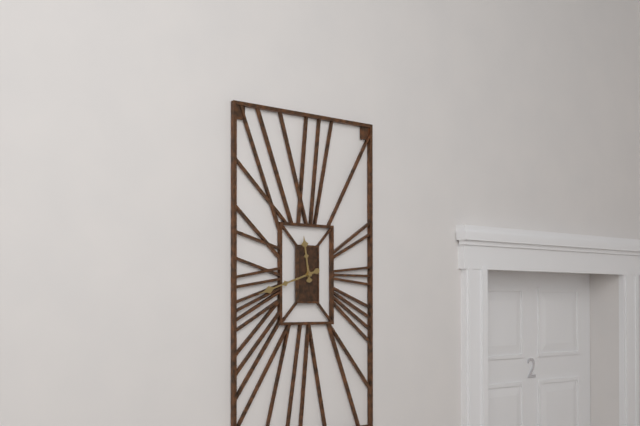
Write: {"hour": 11, "minute": 42}
